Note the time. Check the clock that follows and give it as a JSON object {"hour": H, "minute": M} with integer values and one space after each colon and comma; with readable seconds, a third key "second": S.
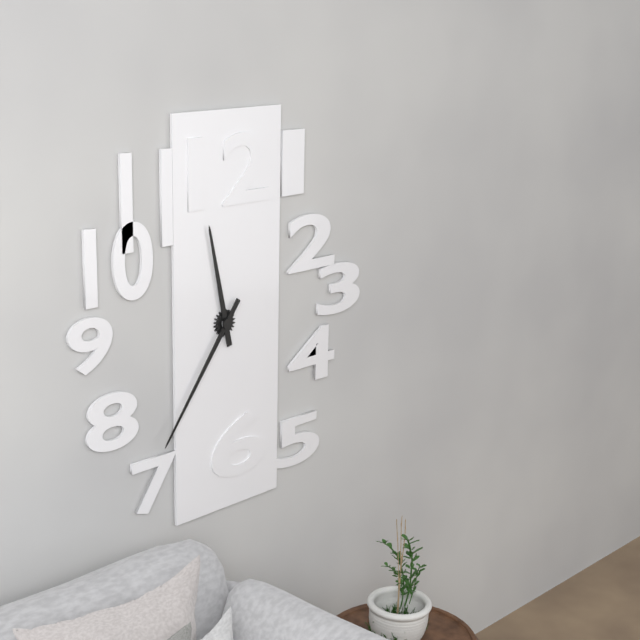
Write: {"hour": 11, "minute": 36}
